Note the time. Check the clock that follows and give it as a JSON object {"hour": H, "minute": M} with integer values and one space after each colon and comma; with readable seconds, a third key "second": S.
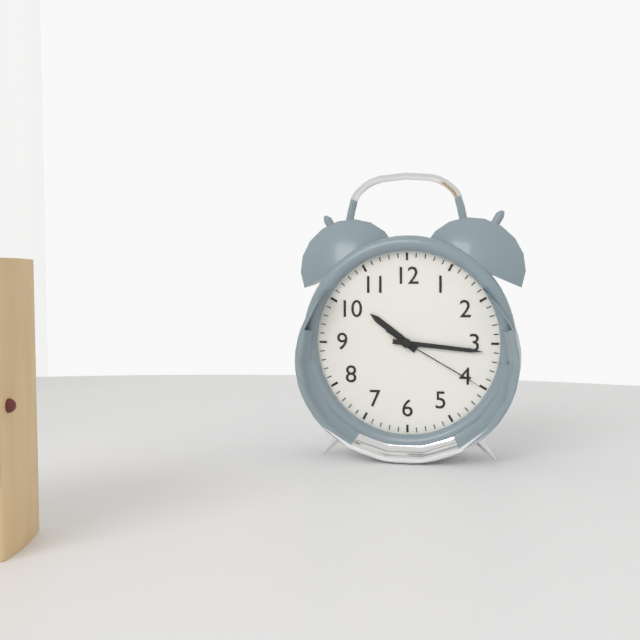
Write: {"hour": 10, "minute": 16, "second": 20}
